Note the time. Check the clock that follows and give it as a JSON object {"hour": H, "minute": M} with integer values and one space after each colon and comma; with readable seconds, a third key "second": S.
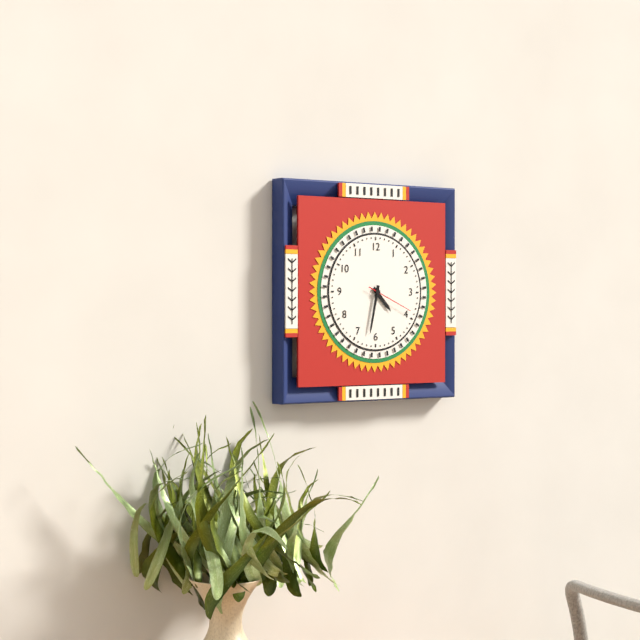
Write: {"hour": 4, "minute": 32}
